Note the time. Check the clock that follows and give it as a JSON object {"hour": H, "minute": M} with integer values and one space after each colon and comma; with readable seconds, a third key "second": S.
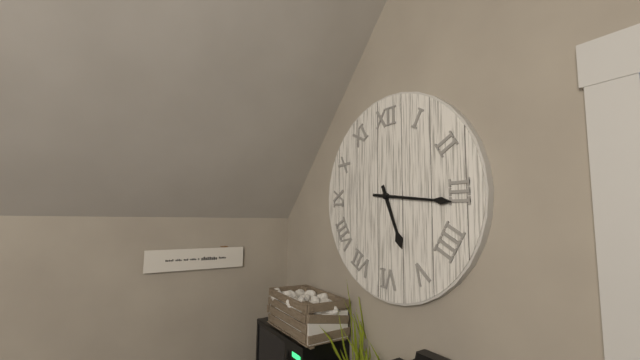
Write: {"hour": 5, "minute": 16}
